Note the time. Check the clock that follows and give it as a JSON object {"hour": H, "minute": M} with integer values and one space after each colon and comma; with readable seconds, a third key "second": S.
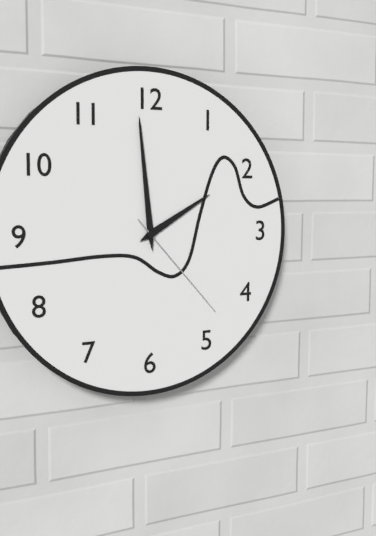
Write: {"hour": 1, "minute": 59, "second": 23}
